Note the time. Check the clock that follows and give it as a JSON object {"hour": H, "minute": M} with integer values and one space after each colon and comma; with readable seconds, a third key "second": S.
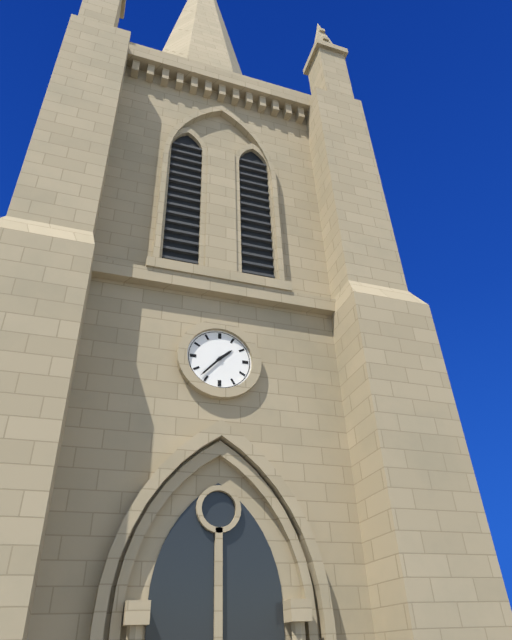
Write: {"hour": 1, "minute": 37}
